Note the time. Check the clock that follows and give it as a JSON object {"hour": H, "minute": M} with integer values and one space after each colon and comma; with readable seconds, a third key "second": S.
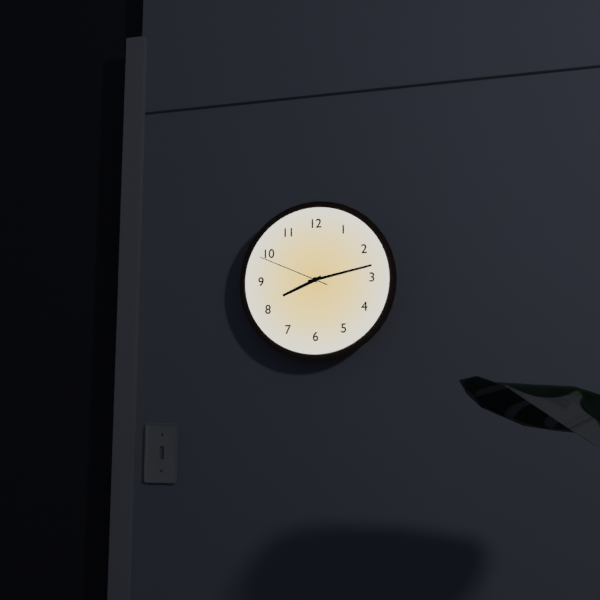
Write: {"hour": 8, "minute": 13, "second": 49}
